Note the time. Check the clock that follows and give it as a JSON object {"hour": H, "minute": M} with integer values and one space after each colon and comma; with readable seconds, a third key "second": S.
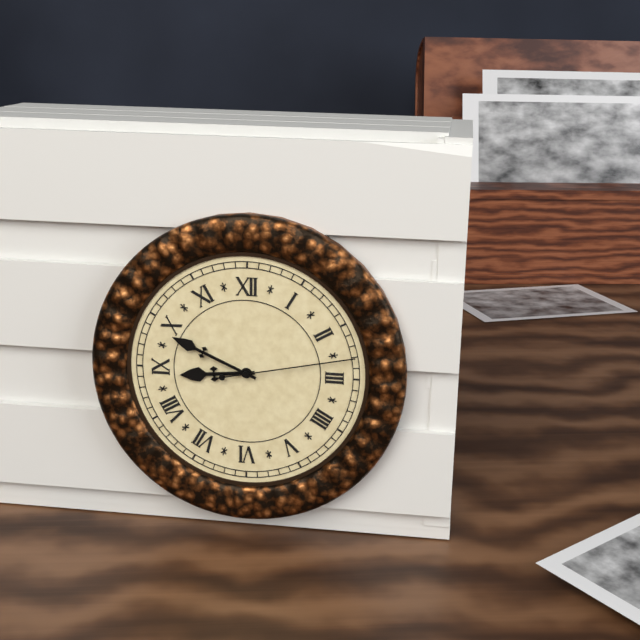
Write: {"hour": 8, "minute": 49, "second": 13}
